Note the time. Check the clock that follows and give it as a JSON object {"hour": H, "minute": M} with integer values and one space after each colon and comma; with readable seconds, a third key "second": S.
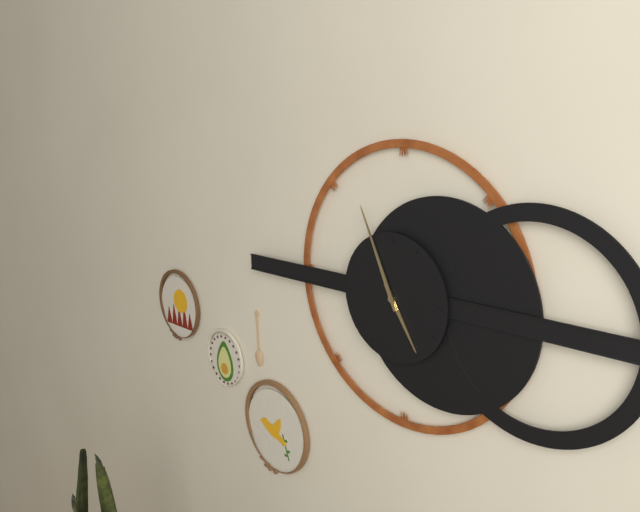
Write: {"hour": 4, "minute": 56}
